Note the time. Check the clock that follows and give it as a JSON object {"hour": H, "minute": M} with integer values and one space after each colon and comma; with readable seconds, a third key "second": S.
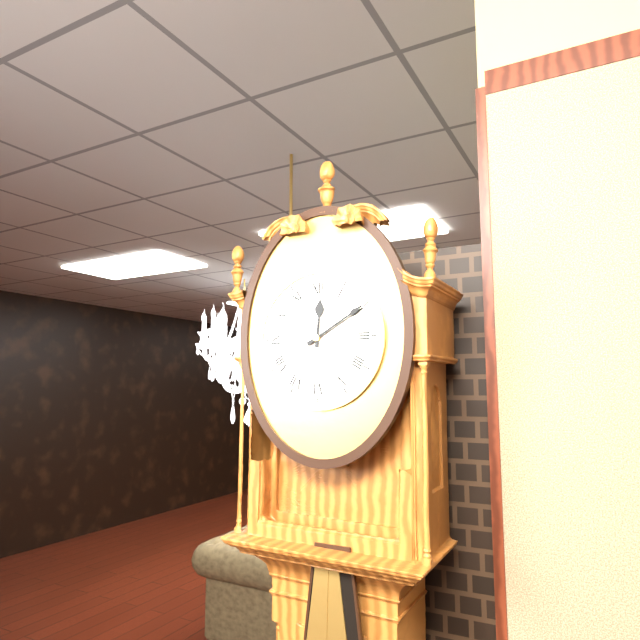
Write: {"hour": 12, "minute": 10}
